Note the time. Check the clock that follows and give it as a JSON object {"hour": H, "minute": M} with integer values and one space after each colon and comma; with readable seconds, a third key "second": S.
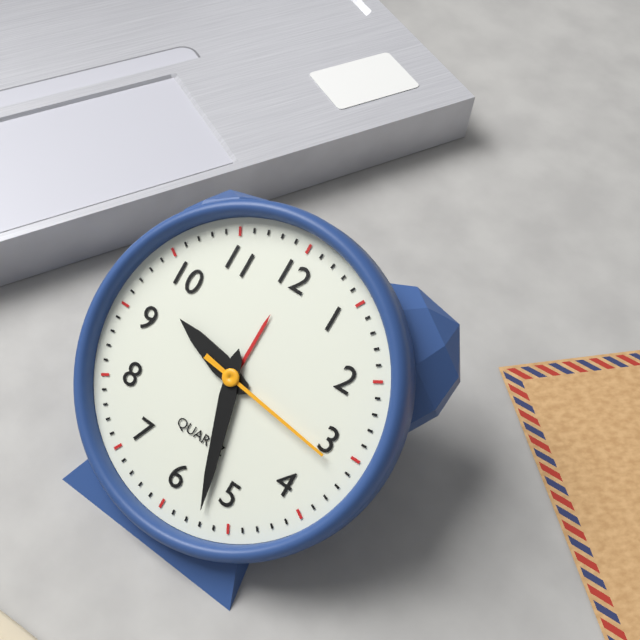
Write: {"hour": 9, "minute": 27, "second": 16}
